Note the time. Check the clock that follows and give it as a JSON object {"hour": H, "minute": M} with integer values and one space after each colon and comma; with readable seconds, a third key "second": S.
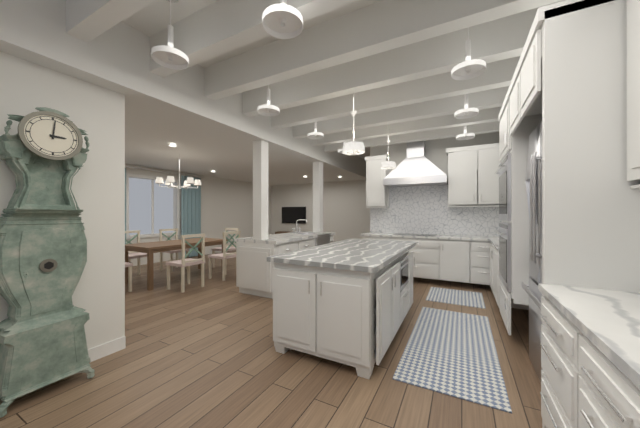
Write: {"hour": 3, "minute": 1}
